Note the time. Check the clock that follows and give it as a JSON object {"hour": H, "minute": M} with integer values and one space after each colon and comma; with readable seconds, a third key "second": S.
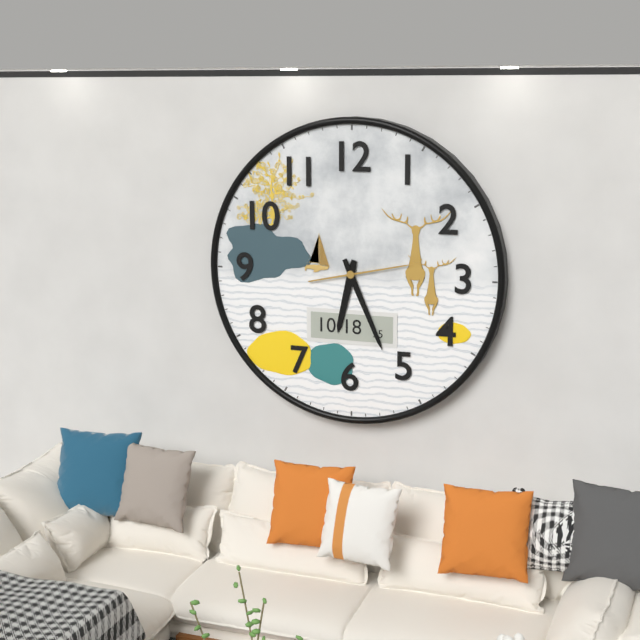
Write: {"hour": 6, "minute": 26, "second": 13}
